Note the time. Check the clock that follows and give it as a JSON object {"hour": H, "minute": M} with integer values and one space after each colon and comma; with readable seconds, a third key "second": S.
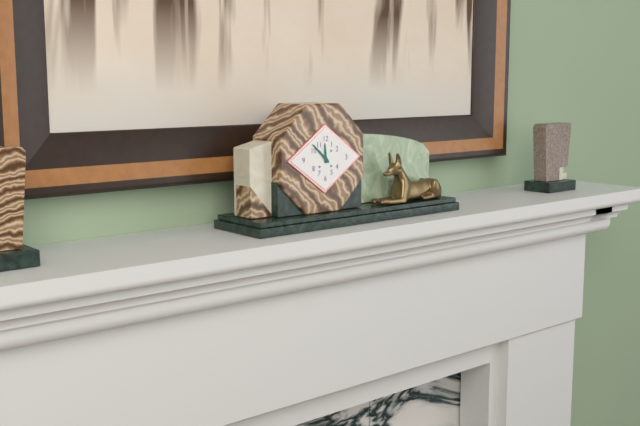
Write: {"hour": 11, "minute": 52}
